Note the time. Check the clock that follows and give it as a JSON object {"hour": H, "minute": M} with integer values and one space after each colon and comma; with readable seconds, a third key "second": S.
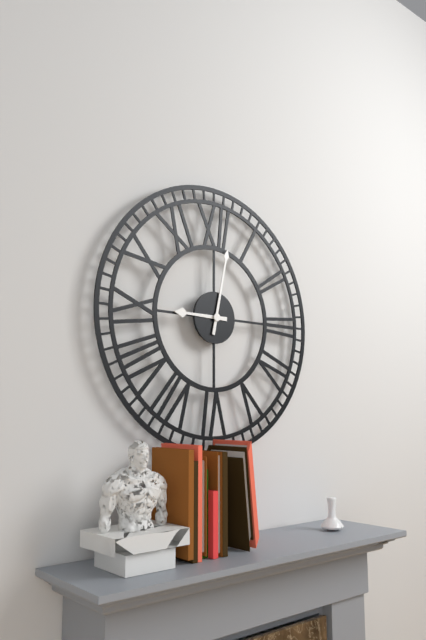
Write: {"hour": 9, "minute": 2}
